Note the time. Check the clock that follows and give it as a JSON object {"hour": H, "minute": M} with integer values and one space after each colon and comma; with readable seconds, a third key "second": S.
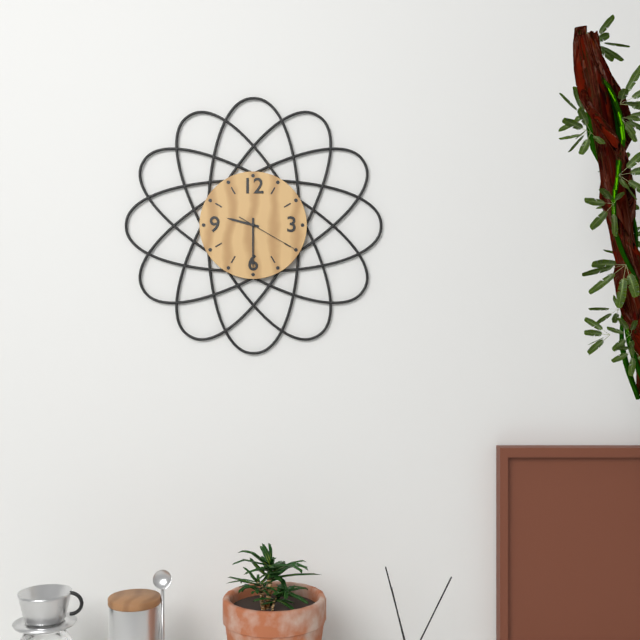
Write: {"hour": 9, "minute": 30, "second": 20}
